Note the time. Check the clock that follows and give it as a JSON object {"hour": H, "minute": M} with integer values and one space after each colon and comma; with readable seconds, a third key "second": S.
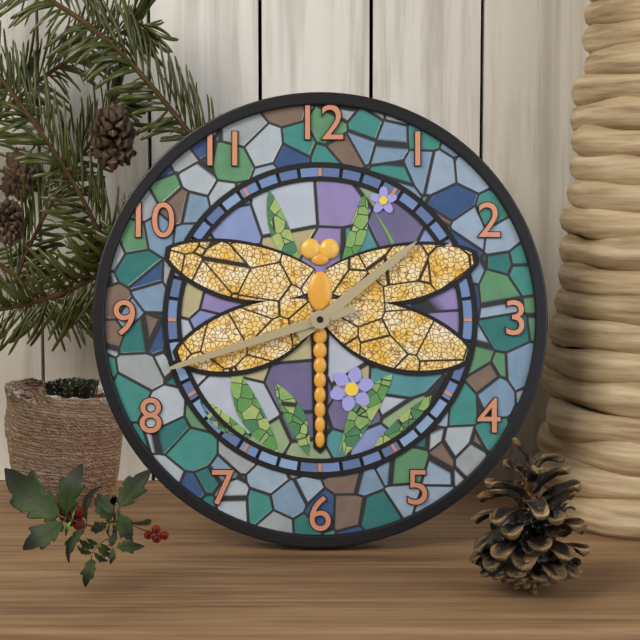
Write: {"hour": 1, "minute": 42}
